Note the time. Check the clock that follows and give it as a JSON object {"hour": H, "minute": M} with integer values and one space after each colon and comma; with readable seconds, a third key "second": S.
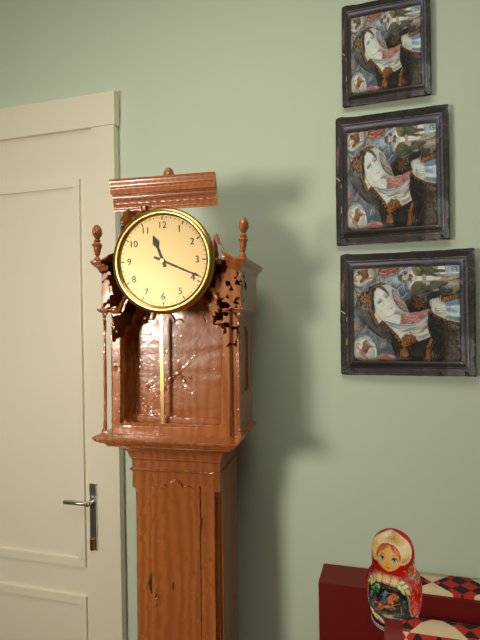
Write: {"hour": 11, "minute": 19}
